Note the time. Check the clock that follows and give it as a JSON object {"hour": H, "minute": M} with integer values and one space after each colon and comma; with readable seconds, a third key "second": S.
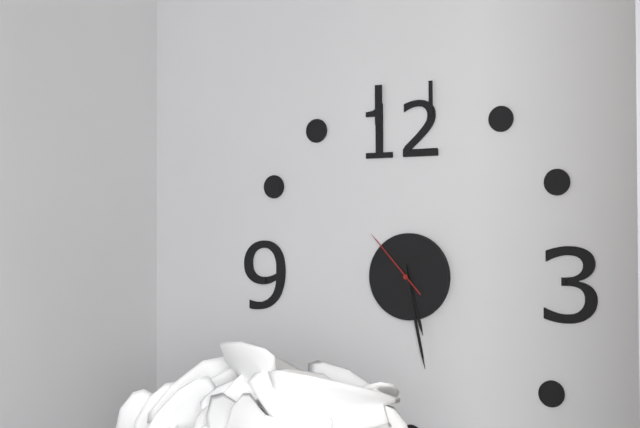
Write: {"hour": 5, "minute": 28, "second": 53}
